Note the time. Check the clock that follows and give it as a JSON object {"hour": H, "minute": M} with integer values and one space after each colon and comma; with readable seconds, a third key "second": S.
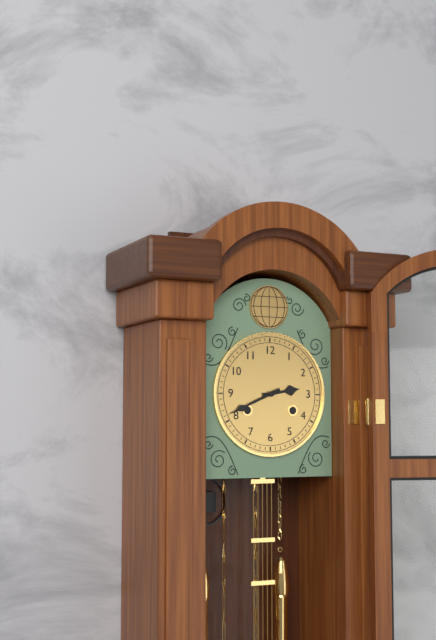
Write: {"hour": 2, "minute": 41}
